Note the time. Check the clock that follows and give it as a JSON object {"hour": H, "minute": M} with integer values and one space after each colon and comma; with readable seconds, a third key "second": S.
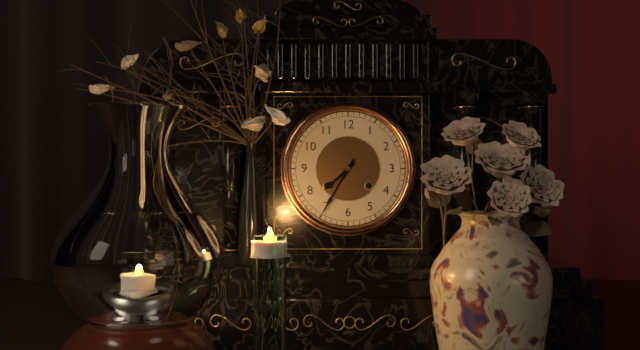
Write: {"hour": 7, "minute": 35}
